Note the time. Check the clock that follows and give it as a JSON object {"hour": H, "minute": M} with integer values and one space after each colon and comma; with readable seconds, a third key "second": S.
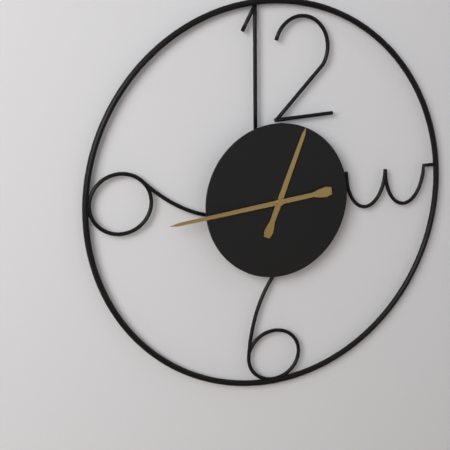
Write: {"hour": 12, "minute": 44}
